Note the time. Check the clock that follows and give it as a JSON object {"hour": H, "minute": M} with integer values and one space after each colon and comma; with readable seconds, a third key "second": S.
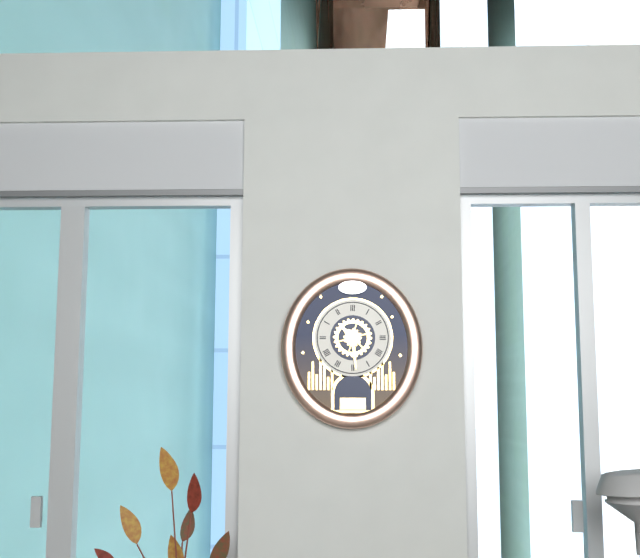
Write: {"hour": 10, "minute": 29}
